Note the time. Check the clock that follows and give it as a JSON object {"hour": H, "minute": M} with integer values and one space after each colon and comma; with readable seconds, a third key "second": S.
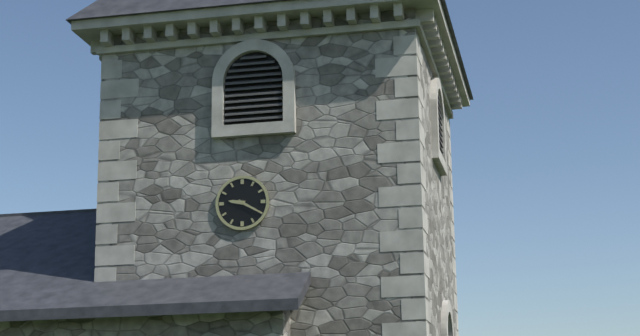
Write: {"hour": 9, "minute": 20}
